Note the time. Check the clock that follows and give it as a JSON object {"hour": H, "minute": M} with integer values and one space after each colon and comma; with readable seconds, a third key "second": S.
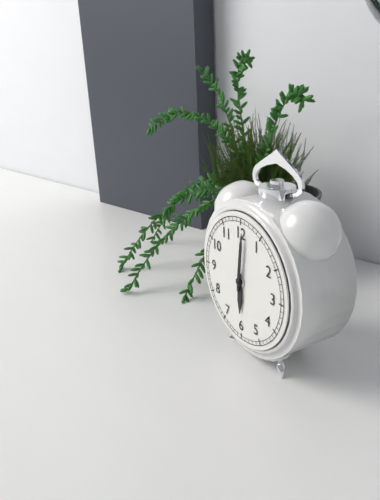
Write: {"hour": 6, "minute": 1}
